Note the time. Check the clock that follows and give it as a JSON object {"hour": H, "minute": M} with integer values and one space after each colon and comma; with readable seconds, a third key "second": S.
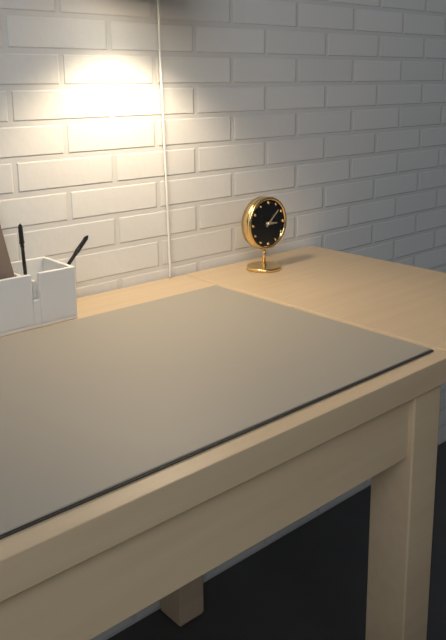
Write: {"hour": 3, "minute": 8}
